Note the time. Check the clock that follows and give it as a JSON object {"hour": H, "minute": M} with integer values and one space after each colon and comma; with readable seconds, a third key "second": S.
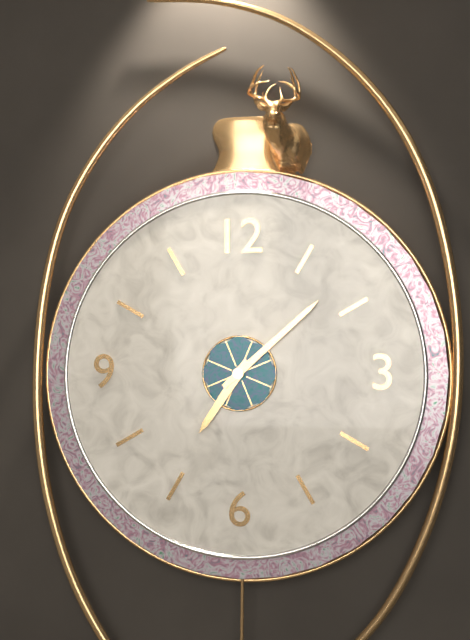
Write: {"hour": 7, "minute": 8}
